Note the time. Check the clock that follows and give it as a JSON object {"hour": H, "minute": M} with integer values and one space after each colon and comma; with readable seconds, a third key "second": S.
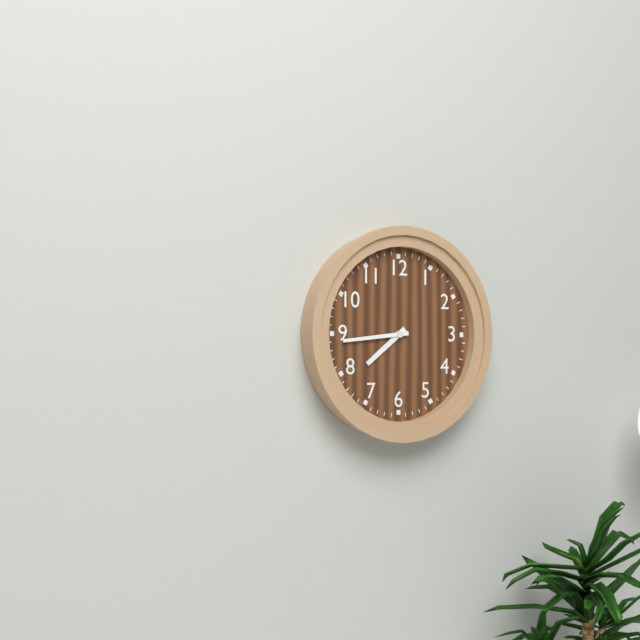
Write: {"hour": 7, "minute": 44}
